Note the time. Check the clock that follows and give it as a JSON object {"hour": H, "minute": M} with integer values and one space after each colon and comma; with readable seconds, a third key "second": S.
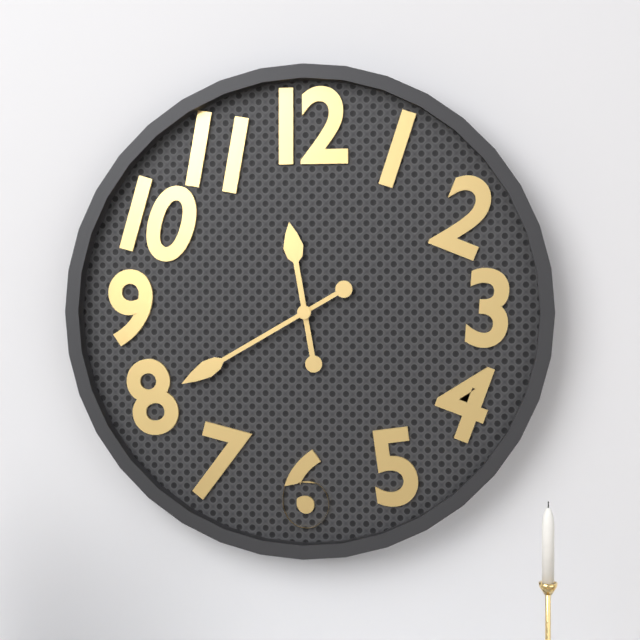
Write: {"hour": 11, "minute": 40}
